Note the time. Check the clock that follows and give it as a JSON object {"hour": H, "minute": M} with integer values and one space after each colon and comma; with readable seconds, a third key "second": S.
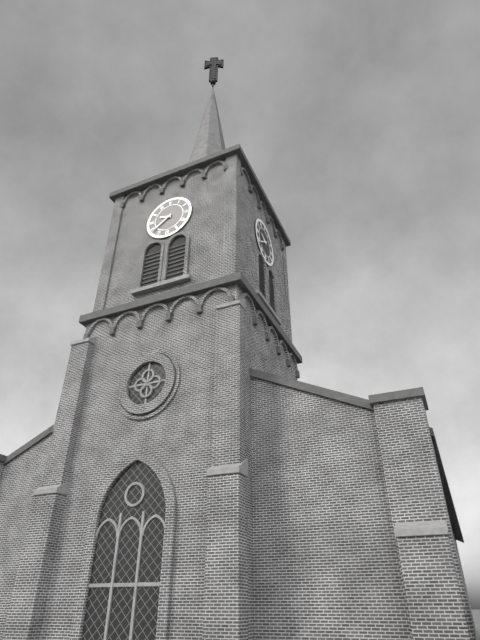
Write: {"hour": 9, "minute": 39}
